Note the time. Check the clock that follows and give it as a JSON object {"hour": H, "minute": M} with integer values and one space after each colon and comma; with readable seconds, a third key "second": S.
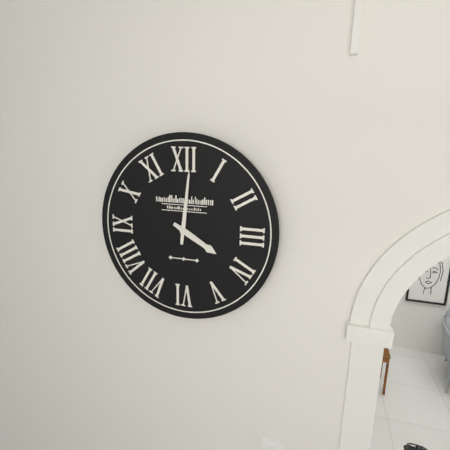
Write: {"hour": 4, "minute": 1}
